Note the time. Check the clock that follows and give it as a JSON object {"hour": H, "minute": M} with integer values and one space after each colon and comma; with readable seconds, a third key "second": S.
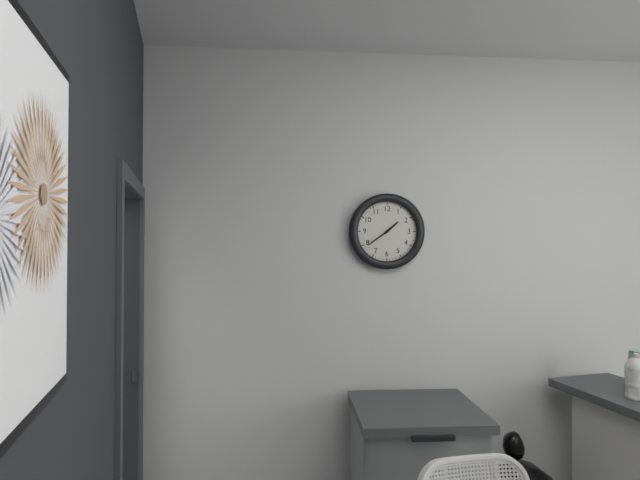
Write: {"hour": 1, "minute": 39}
